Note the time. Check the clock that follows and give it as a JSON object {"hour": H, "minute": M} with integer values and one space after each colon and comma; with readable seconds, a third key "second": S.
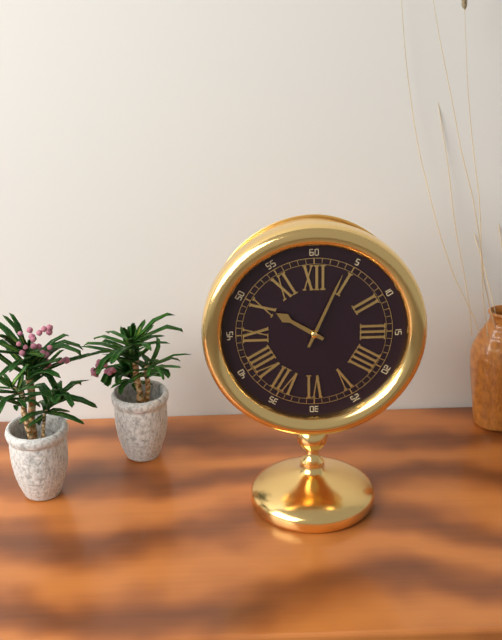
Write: {"hour": 10, "minute": 4}
